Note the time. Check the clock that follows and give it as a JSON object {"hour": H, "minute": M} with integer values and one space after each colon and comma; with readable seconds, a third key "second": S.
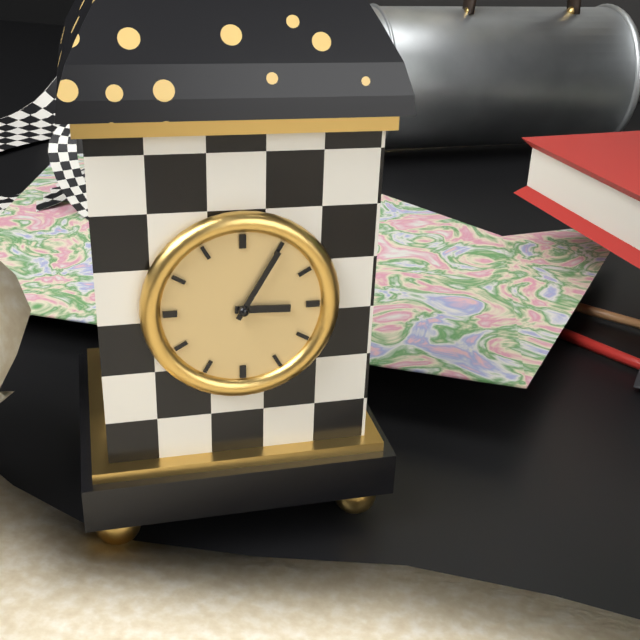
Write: {"hour": 3, "minute": 5}
